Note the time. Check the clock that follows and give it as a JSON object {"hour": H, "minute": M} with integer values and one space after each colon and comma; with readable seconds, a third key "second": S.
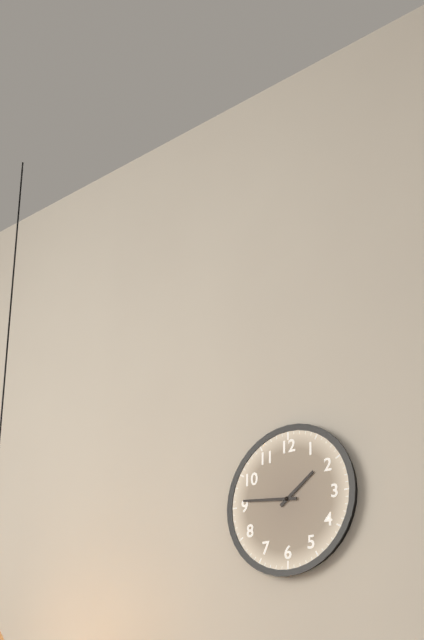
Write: {"hour": 1, "minute": 46}
